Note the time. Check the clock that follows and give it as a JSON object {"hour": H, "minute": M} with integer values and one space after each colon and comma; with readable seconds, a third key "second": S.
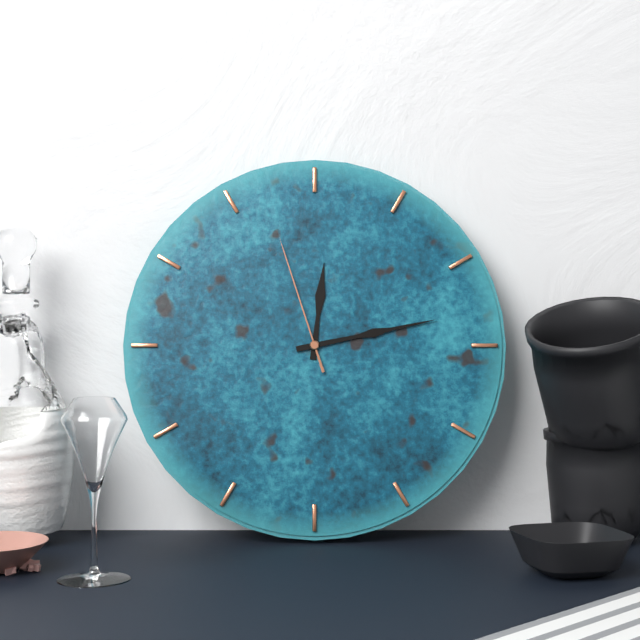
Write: {"hour": 12, "minute": 13, "second": 57}
